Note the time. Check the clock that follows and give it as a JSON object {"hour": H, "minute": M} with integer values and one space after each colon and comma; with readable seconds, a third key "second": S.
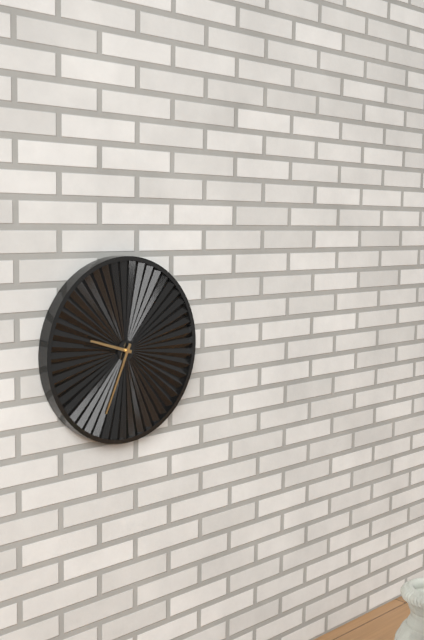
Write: {"hour": 9, "minute": 34}
